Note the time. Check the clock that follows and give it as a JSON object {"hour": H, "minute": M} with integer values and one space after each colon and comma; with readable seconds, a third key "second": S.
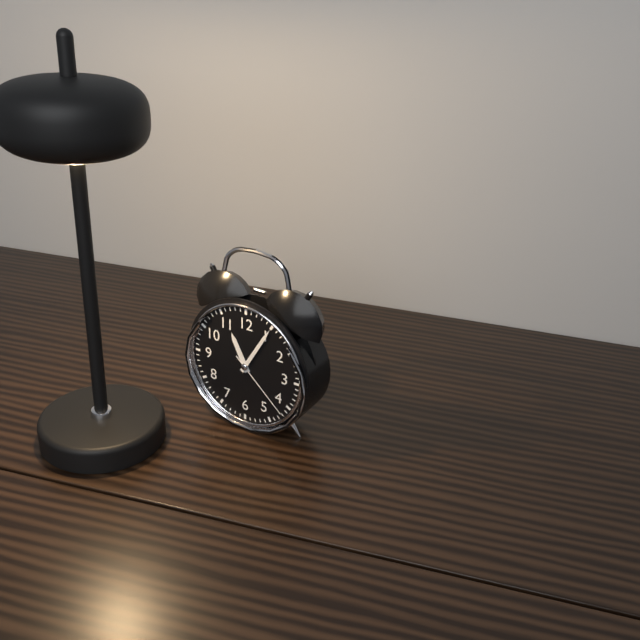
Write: {"hour": 11, "minute": 5, "second": 22}
